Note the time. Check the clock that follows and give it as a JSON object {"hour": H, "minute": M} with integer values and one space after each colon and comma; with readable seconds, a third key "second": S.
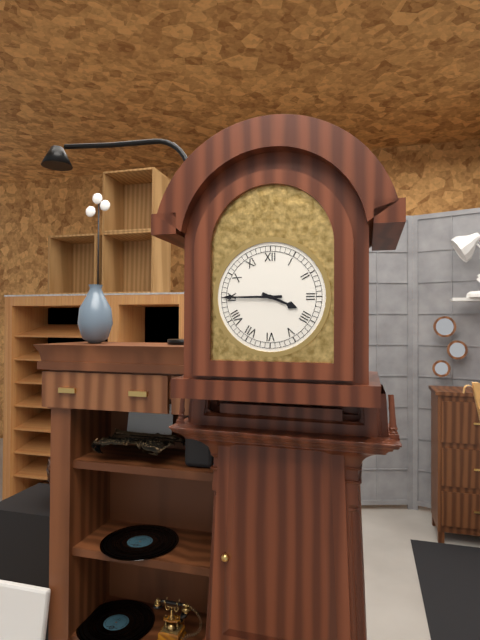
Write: {"hour": 3, "minute": 45}
